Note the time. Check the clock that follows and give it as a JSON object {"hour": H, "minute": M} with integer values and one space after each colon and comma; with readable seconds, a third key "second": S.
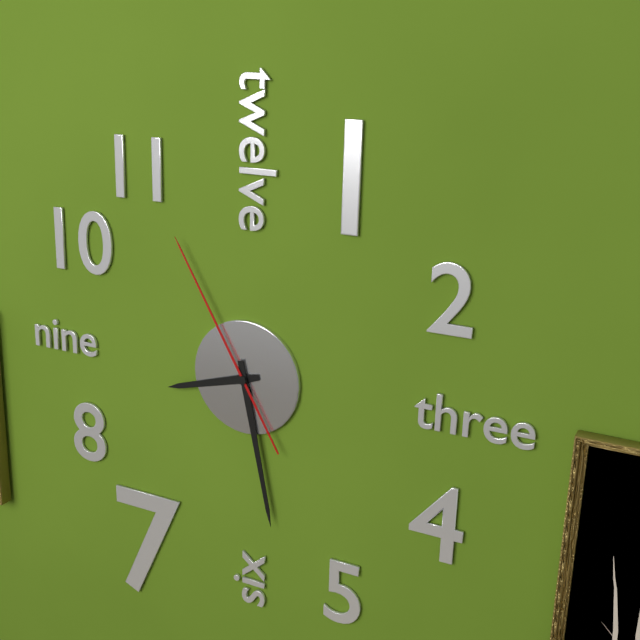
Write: {"hour": 8, "minute": 28, "second": 55}
